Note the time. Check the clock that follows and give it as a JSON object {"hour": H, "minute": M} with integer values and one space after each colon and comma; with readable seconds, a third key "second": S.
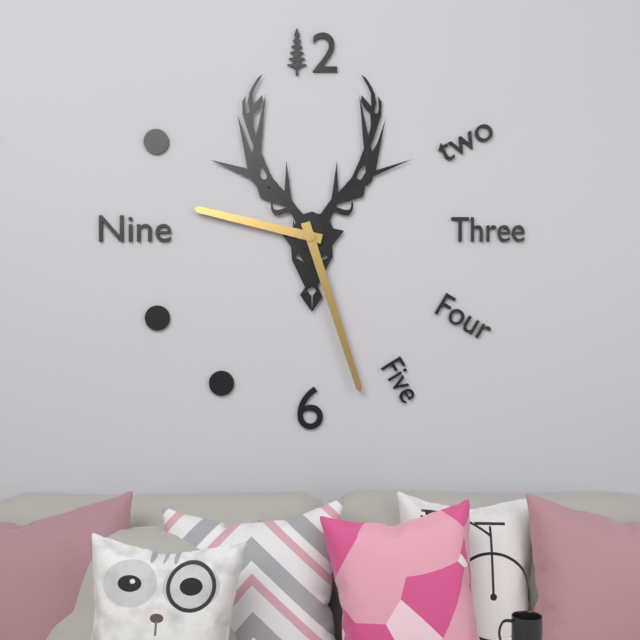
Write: {"hour": 9, "minute": 27}
